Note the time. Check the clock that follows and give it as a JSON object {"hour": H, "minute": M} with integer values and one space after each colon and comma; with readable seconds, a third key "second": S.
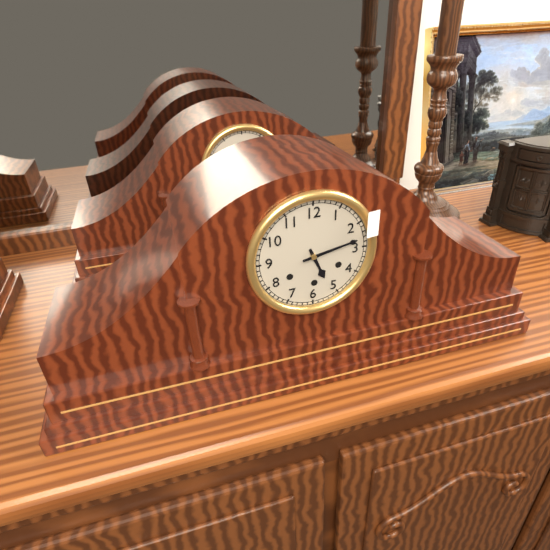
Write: {"hour": 5, "minute": 13}
